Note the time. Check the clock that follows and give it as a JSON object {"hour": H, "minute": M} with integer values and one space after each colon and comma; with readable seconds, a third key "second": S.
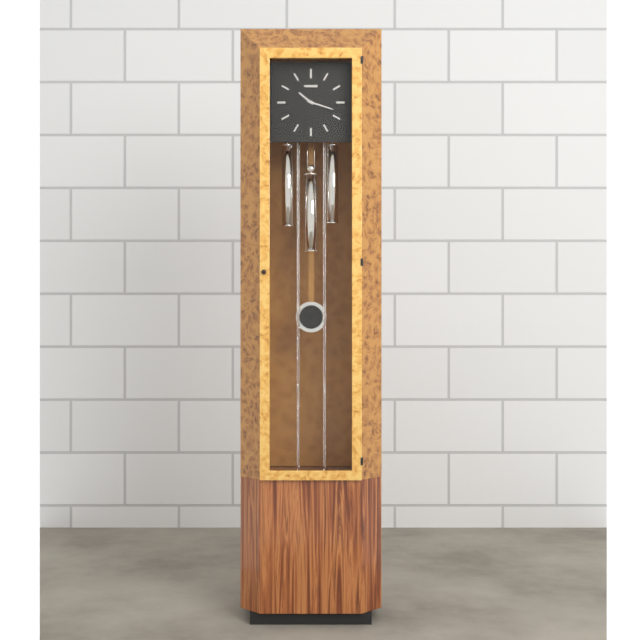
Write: {"hour": 10, "minute": 18}
